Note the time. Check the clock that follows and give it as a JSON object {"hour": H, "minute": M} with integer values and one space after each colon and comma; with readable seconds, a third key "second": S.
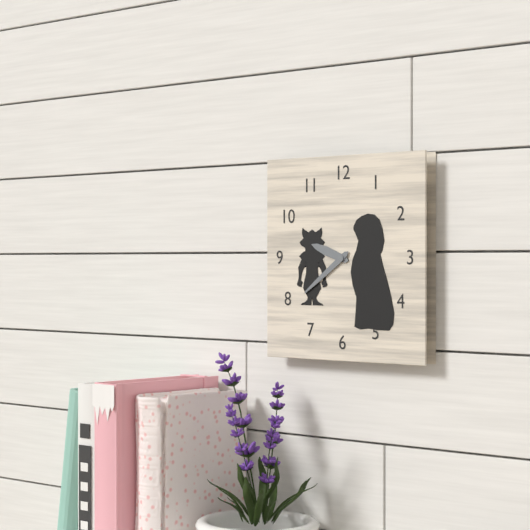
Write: {"hour": 9, "minute": 39}
